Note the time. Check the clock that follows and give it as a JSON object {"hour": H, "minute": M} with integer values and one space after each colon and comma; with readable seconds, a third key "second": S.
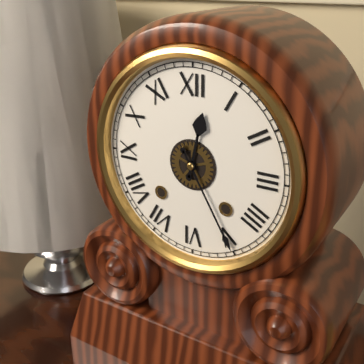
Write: {"hour": 12, "minute": 25}
